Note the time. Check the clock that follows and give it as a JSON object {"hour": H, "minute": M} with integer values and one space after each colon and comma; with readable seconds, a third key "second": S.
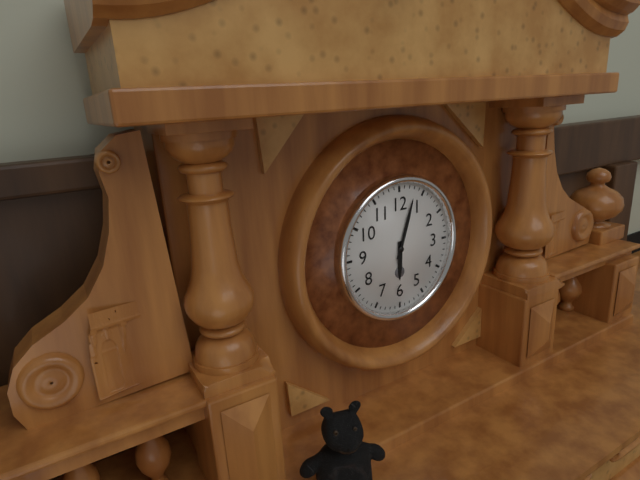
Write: {"hour": 6, "minute": 3}
